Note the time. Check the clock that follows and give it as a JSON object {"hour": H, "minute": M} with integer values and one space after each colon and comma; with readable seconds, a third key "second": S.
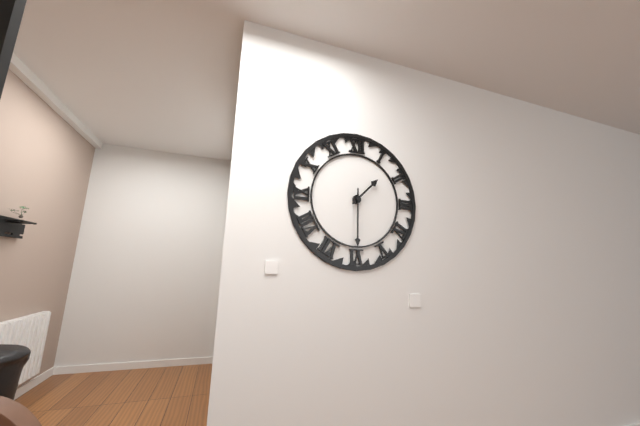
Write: {"hour": 1, "minute": 30}
